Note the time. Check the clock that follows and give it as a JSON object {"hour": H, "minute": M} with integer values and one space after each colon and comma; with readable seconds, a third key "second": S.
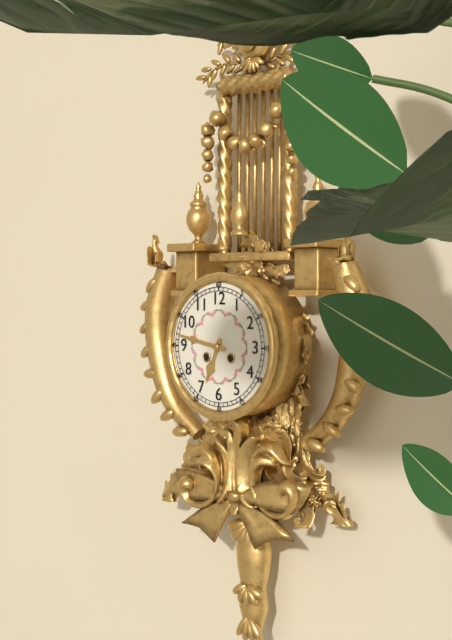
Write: {"hour": 6, "minute": 47}
